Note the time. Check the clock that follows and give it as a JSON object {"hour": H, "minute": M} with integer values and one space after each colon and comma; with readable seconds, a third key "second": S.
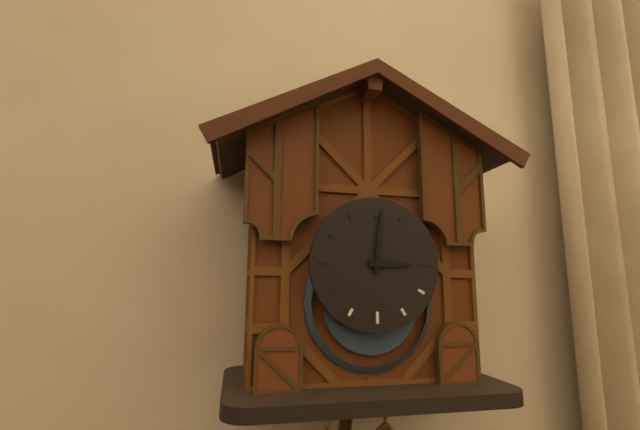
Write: {"hour": 3, "minute": 1}
